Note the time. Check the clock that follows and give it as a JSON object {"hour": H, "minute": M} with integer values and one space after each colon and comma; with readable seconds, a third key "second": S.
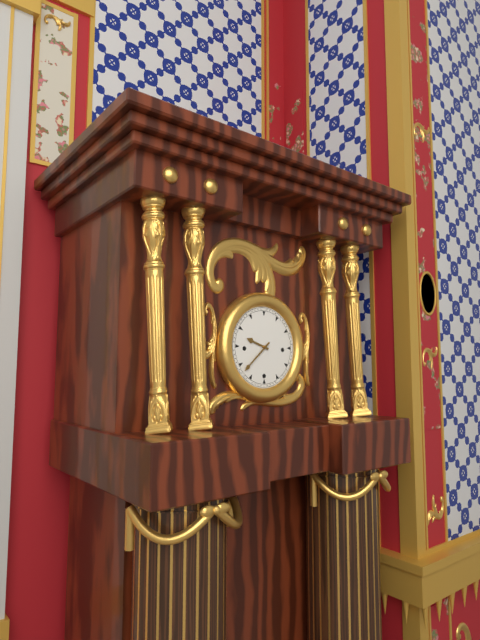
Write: {"hour": 9, "minute": 38}
